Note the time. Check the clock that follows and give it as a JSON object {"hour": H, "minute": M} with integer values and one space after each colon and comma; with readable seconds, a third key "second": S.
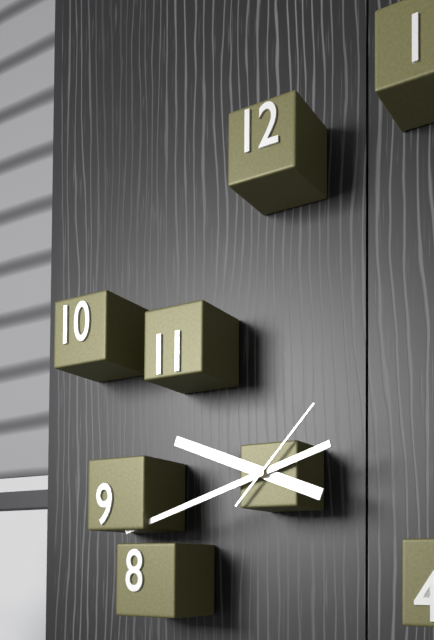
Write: {"hour": 9, "minute": 42, "second": 7}
